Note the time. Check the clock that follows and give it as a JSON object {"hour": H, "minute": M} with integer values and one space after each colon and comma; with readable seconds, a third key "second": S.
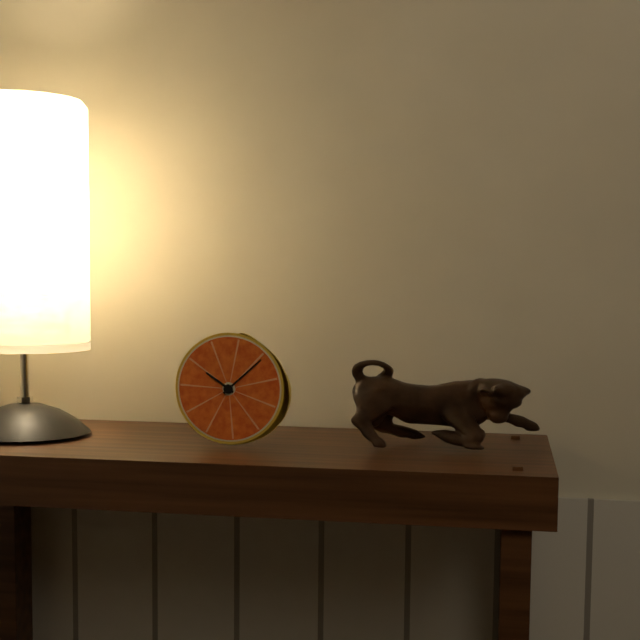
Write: {"hour": 10, "minute": 8}
